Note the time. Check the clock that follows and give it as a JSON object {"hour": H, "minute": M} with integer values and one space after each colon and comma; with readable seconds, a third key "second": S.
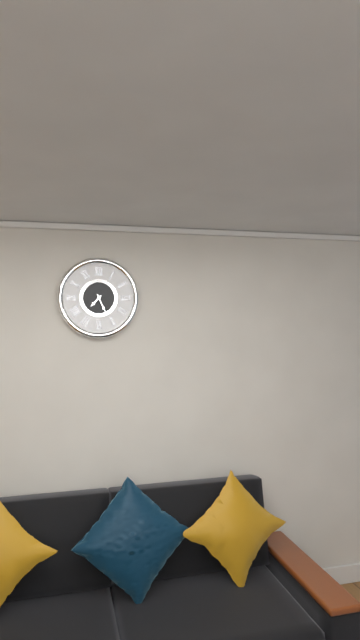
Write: {"hour": 7, "minute": 26}
